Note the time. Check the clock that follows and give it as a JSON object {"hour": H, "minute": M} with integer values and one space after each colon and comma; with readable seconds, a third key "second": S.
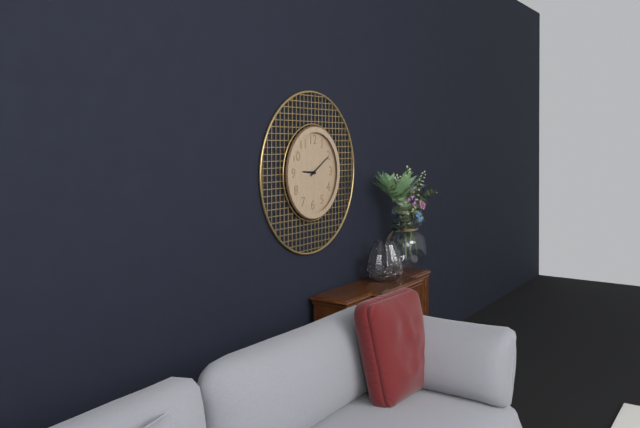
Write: {"hour": 9, "minute": 10}
